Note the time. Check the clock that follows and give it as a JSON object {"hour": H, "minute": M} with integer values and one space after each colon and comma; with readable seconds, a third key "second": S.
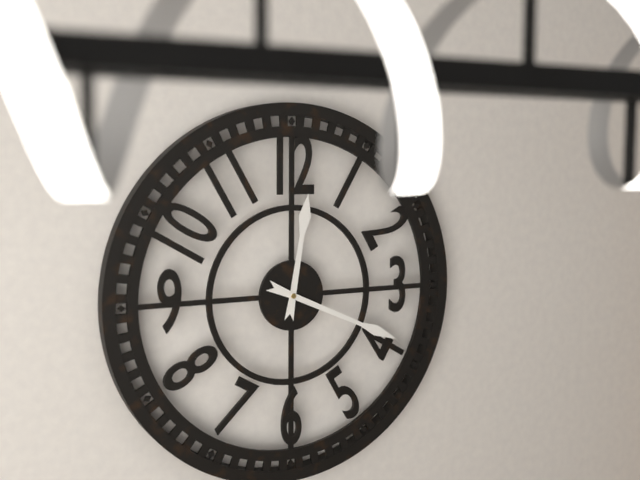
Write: {"hour": 12, "minute": 19}
